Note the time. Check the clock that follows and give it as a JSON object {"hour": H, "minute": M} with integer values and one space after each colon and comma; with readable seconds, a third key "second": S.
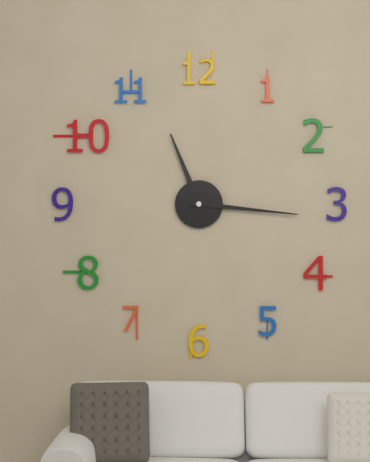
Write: {"hour": 11, "minute": 16}
